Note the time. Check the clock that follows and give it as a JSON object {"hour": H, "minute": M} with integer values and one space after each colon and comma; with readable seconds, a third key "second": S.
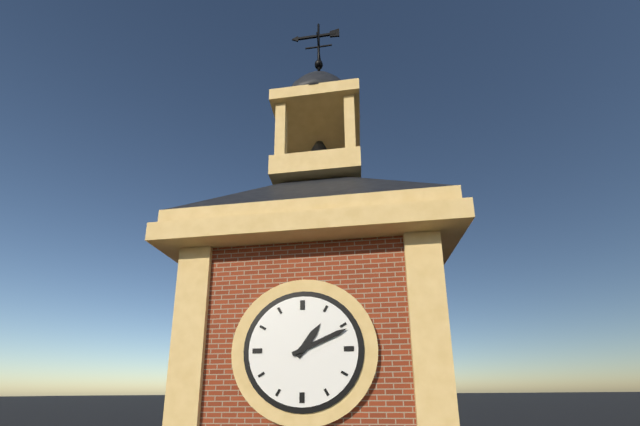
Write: {"hour": 1, "minute": 11}
